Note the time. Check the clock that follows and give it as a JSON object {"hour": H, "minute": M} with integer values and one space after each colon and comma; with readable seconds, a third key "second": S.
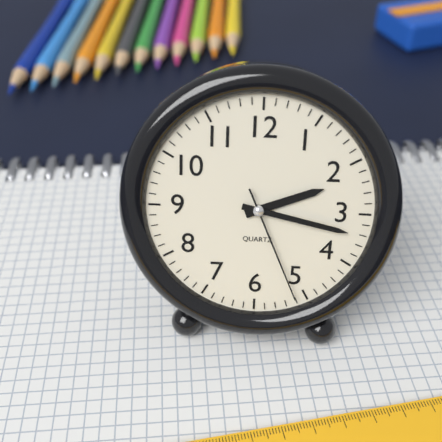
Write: {"hour": 2, "minute": 17, "second": 26}
